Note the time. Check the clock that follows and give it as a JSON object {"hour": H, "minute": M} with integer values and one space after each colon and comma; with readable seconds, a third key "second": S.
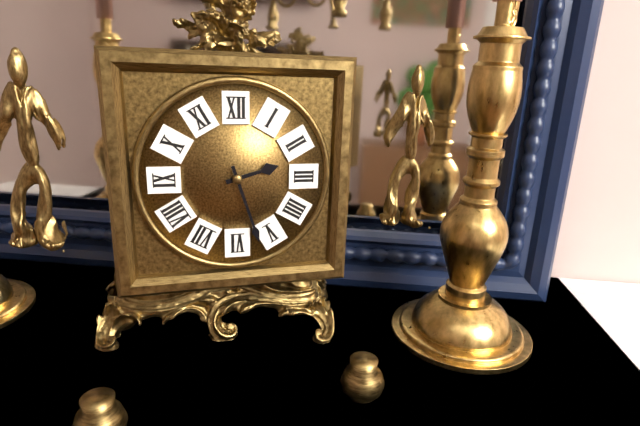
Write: {"hour": 2, "minute": 27}
